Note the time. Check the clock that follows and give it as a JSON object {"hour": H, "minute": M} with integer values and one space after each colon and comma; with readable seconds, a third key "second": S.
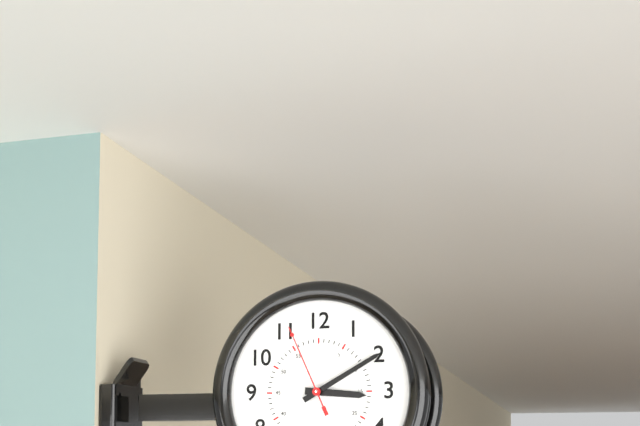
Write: {"hour": 3, "minute": 10, "second": 56}
